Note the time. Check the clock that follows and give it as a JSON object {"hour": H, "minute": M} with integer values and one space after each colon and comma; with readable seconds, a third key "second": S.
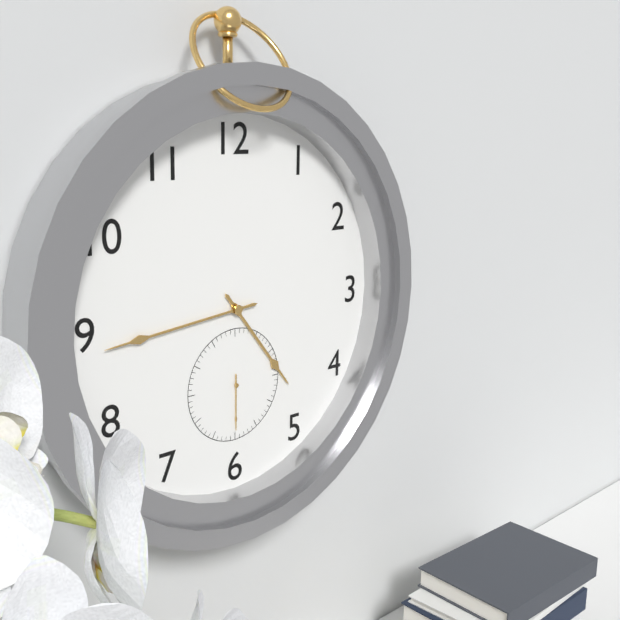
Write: {"hour": 4, "minute": 44, "second": 30}
